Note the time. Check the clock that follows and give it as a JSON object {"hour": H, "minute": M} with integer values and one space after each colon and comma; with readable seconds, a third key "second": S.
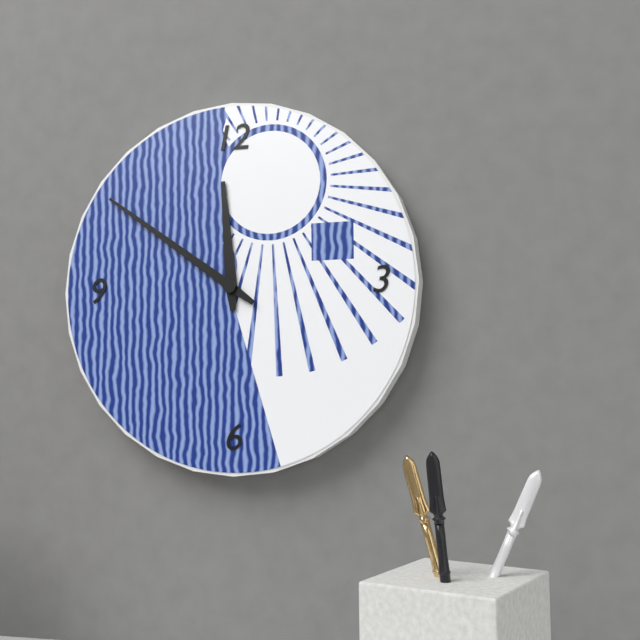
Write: {"hour": 11, "minute": 51}
